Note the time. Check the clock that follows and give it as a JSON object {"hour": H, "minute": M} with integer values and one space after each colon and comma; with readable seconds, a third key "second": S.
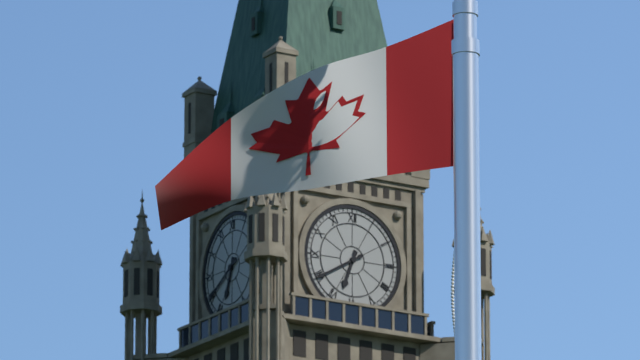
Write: {"hour": 6, "minute": 40}
